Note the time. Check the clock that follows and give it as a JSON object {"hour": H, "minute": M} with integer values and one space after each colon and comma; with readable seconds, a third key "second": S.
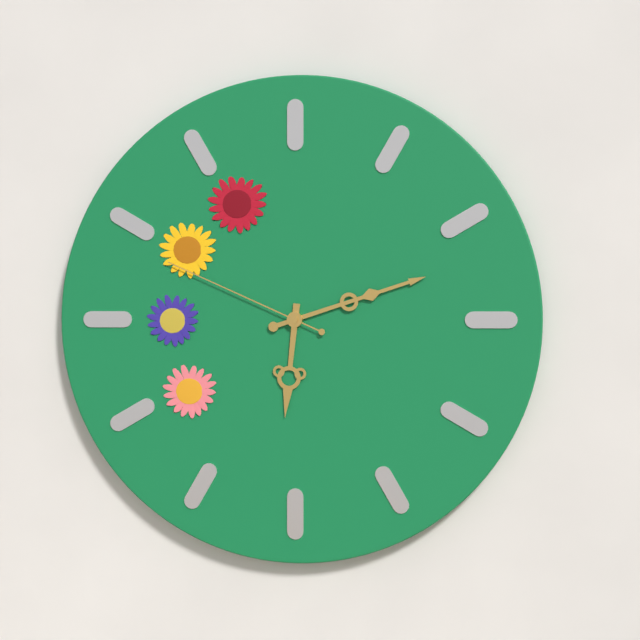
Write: {"hour": 6, "minute": 12, "second": 49}
